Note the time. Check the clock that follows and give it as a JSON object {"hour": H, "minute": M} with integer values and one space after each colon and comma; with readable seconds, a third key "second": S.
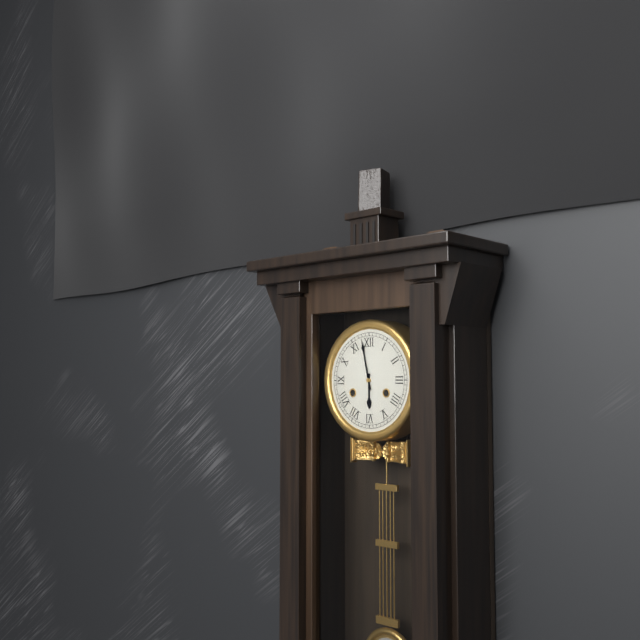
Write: {"hour": 5, "minute": 58}
